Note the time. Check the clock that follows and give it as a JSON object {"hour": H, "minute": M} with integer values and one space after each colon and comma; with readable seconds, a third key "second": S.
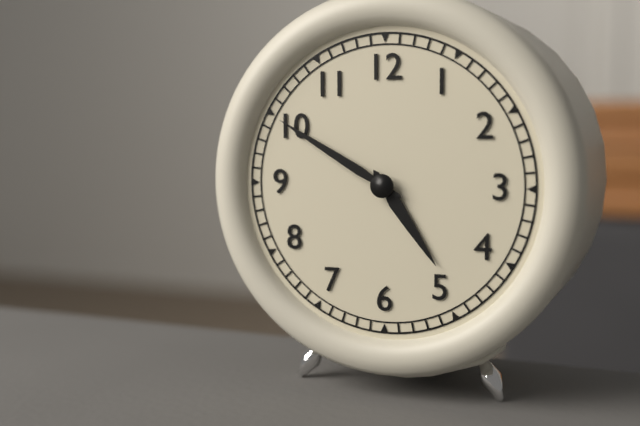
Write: {"hour": 4, "minute": 50}
